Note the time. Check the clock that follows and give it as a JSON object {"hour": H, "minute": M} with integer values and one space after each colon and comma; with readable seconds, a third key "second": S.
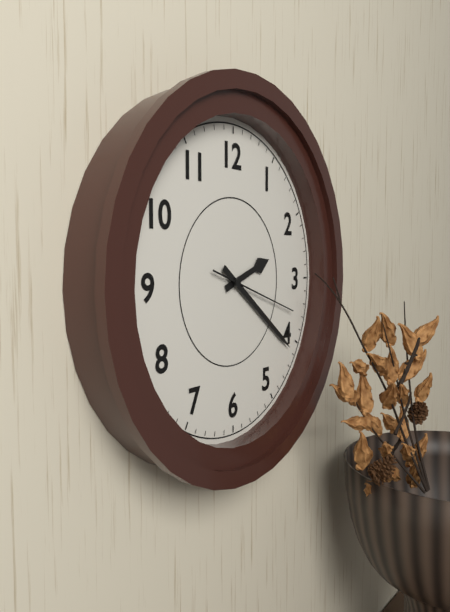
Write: {"hour": 2, "minute": 21, "second": 18}
